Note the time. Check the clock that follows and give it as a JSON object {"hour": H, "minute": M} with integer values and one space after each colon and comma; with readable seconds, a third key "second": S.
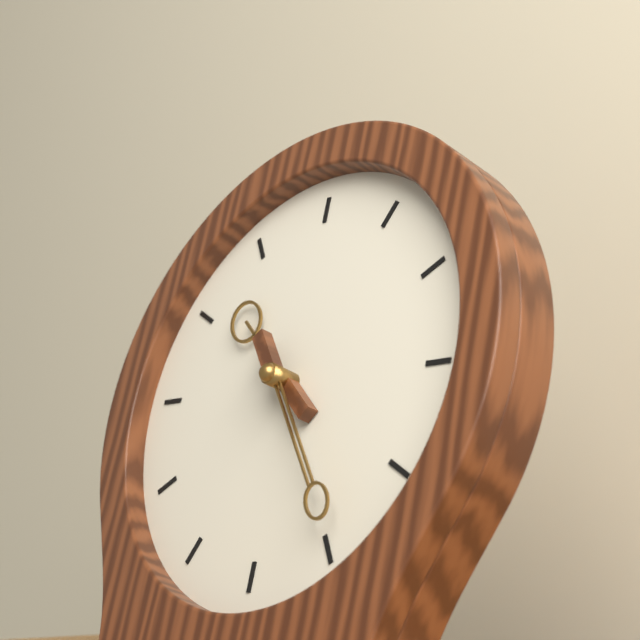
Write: {"hour": 10, "minute": 24}
